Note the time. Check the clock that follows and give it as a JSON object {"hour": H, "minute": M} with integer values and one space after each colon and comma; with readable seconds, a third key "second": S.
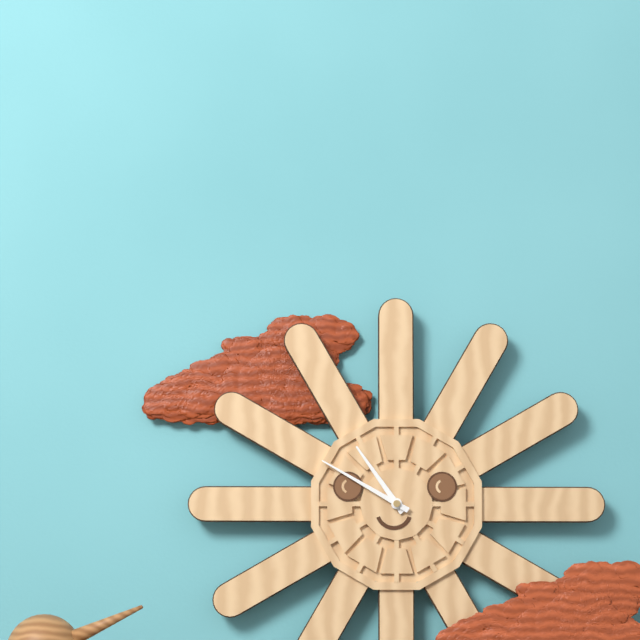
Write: {"hour": 10, "minute": 50}
